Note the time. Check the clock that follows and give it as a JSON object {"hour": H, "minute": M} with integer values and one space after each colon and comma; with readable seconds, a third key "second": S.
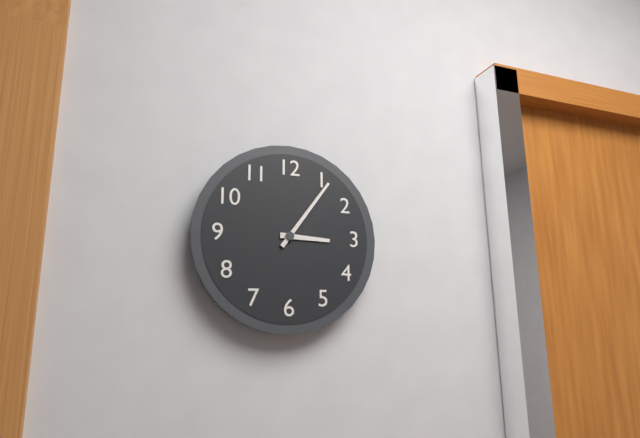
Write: {"hour": 3, "minute": 6}
